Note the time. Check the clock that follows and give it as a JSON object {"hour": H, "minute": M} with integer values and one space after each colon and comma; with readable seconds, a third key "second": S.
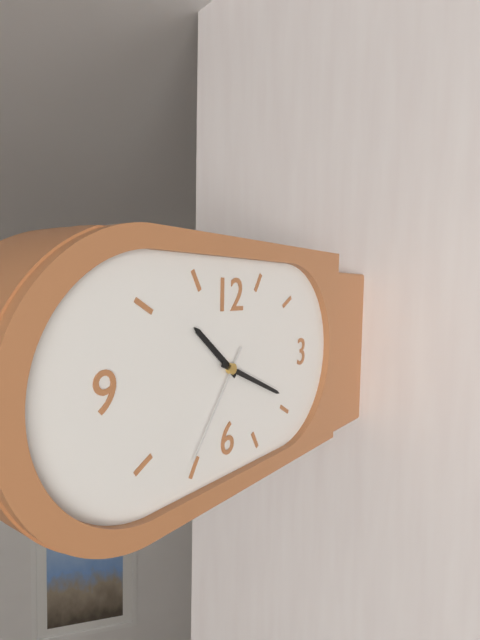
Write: {"hour": 10, "minute": 19, "second": 36}
